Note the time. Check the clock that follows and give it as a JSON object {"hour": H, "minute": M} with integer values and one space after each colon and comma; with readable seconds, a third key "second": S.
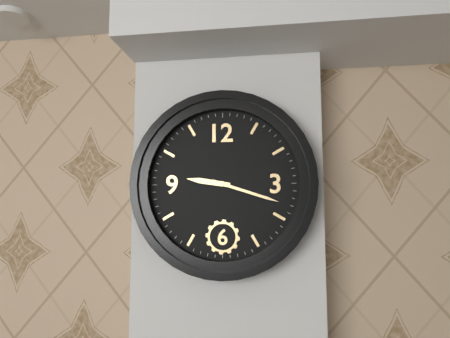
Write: {"hour": 9, "minute": 18}
